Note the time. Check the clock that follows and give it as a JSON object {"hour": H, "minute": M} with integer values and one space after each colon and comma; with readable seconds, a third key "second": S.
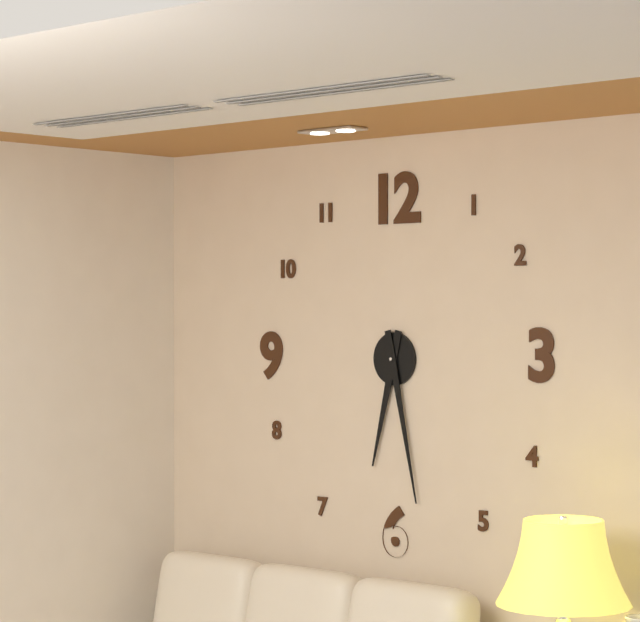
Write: {"hour": 6, "minute": 28}
